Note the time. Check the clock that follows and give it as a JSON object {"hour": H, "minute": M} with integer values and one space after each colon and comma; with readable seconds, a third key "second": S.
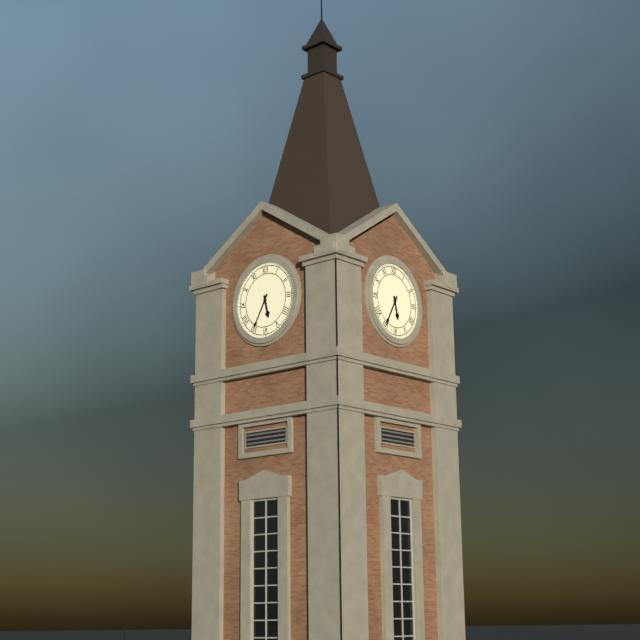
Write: {"hour": 5, "minute": 35}
